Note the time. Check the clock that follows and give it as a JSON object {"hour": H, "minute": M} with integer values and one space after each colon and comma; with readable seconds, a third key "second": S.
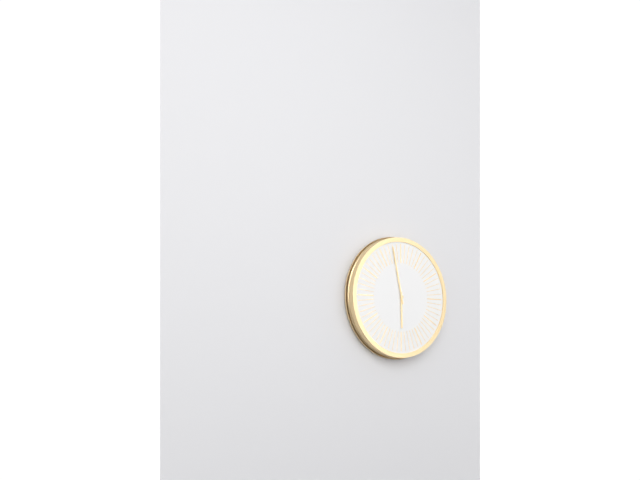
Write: {"hour": 5, "minute": 58}
